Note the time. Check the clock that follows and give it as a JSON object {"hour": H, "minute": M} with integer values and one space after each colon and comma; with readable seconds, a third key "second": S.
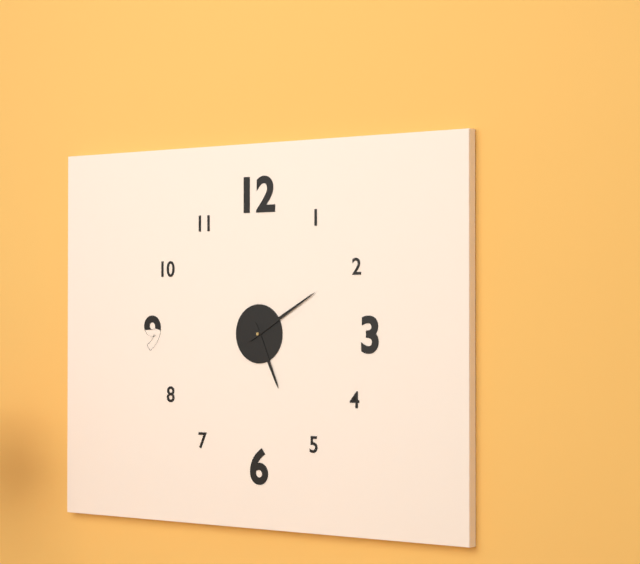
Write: {"hour": 5, "minute": 10}
